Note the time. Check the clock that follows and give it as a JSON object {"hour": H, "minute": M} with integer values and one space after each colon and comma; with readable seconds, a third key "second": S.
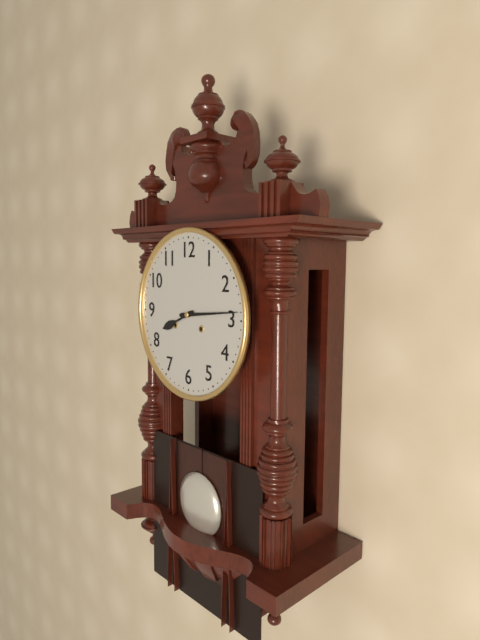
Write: {"hour": 8, "minute": 14}
